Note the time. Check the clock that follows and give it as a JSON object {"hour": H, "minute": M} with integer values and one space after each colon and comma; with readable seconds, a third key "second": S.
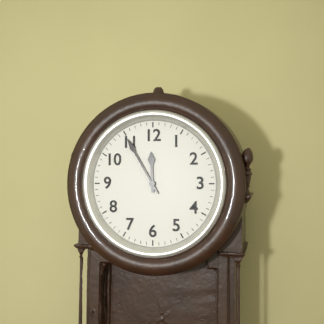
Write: {"hour": 11, "minute": 55}
